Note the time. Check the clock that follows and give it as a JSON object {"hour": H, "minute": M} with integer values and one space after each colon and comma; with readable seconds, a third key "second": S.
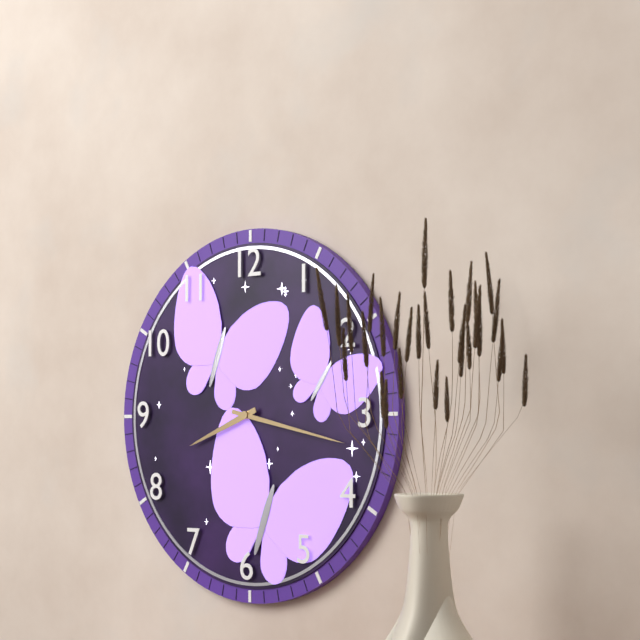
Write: {"hour": 8, "minute": 17}
